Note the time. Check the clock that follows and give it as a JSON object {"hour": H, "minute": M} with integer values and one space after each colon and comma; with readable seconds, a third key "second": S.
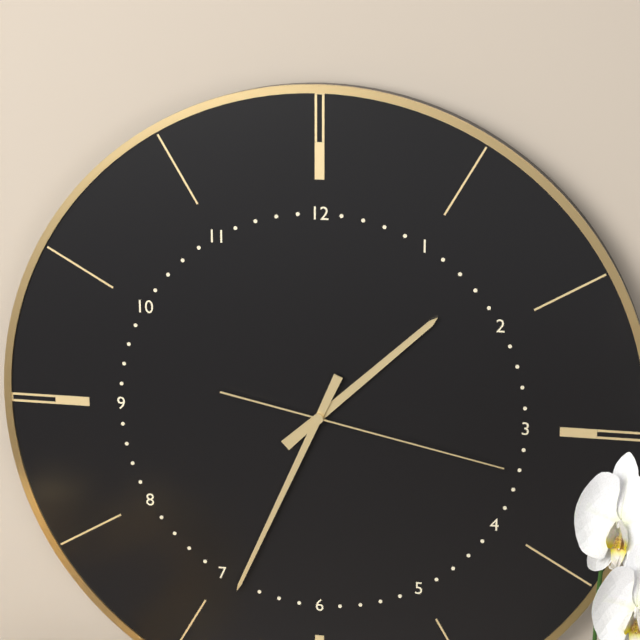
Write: {"hour": 1, "minute": 34, "second": 17}
